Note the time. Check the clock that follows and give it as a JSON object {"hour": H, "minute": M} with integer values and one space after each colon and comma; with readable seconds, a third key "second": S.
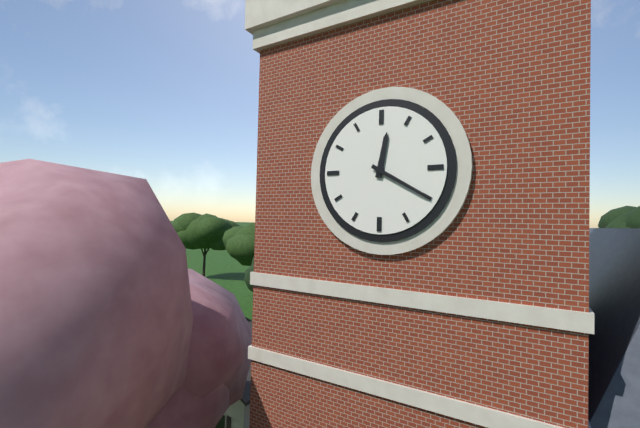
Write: {"hour": 12, "minute": 20}
